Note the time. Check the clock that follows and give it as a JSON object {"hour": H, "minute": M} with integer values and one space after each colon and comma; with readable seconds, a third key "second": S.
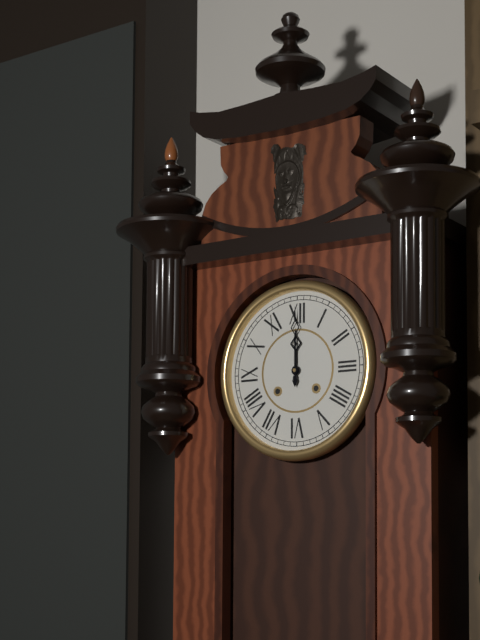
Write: {"hour": 12, "minute": 0}
